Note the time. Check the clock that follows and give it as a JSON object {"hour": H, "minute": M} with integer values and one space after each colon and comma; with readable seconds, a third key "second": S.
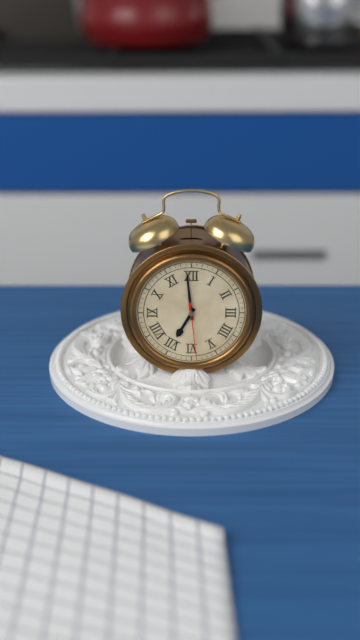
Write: {"hour": 6, "minute": 59, "second": 29}
